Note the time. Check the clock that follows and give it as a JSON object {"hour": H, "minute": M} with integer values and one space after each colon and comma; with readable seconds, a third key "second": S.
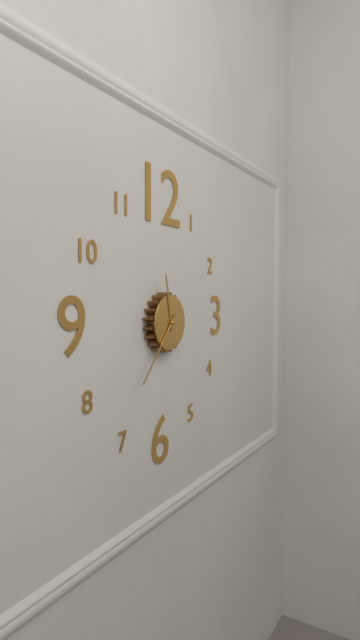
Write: {"hour": 11, "minute": 37}
